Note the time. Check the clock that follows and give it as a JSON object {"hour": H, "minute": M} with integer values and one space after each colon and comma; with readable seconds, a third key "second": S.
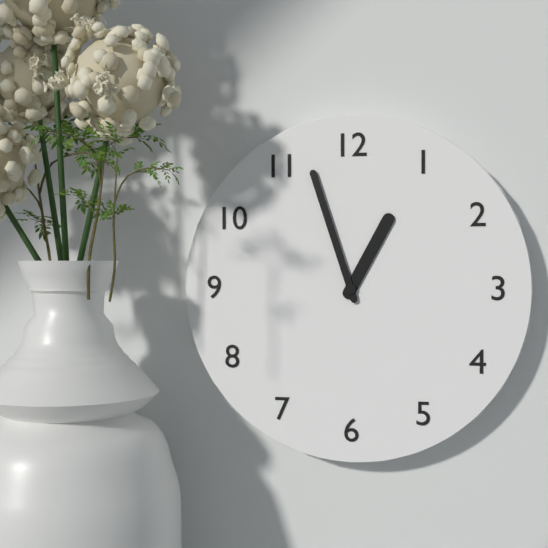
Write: {"hour": 12, "minute": 57}
